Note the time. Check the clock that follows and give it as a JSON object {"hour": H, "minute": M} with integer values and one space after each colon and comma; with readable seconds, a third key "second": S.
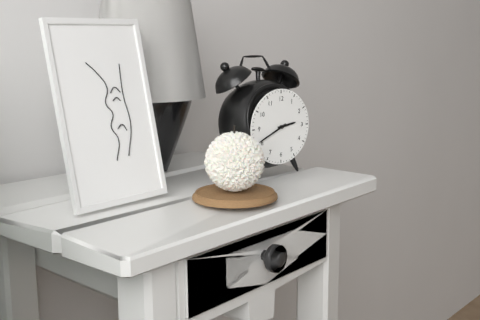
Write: {"hour": 2, "minute": 41}
